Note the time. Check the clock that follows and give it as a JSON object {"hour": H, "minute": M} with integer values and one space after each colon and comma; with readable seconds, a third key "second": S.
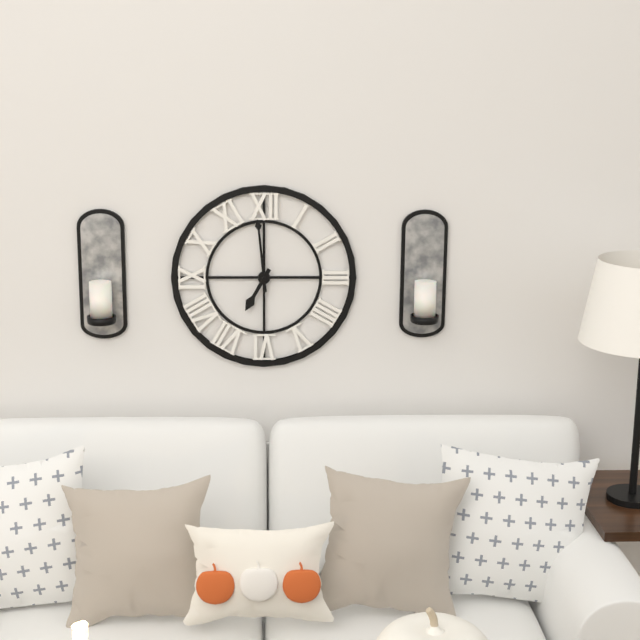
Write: {"hour": 6, "minute": 59}
